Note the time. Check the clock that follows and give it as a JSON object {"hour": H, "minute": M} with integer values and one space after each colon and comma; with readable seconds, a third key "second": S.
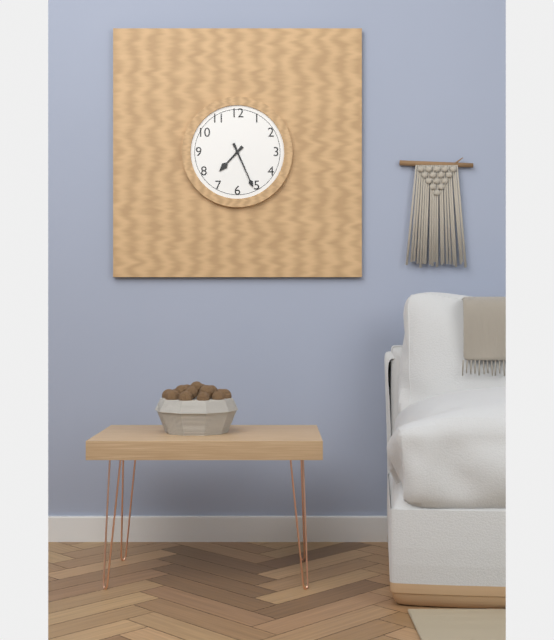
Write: {"hour": 7, "minute": 26}
